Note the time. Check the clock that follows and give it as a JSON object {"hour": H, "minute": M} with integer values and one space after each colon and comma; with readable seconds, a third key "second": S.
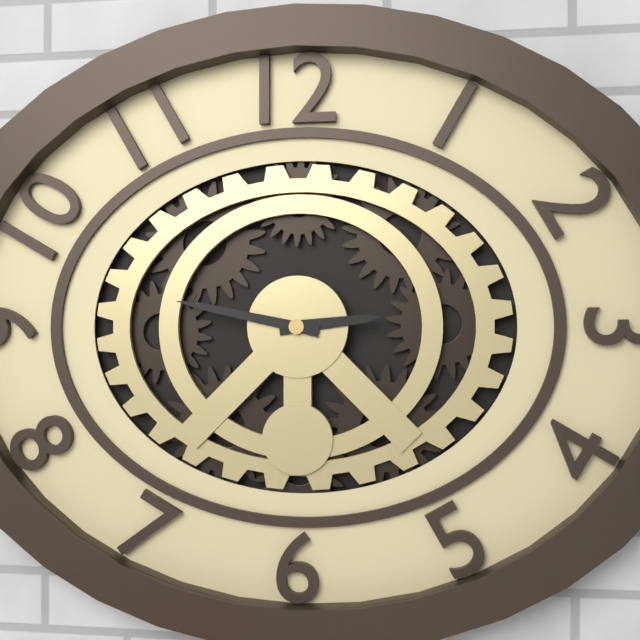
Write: {"hour": 2, "minute": 47}
